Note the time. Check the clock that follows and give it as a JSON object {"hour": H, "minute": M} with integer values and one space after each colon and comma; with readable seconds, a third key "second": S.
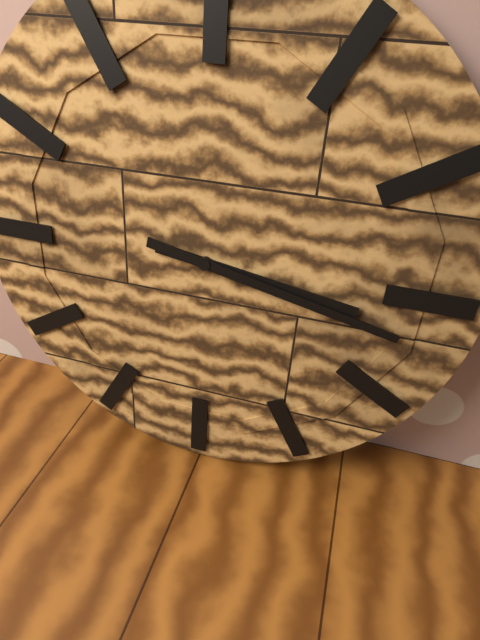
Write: {"hour": 3, "minute": 17}
